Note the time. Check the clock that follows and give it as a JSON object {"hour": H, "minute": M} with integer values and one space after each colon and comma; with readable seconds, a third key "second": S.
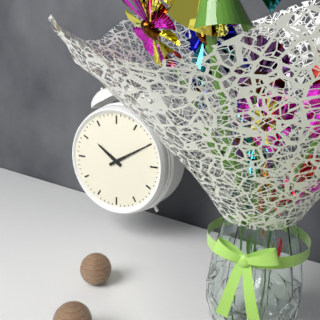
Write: {"hour": 10, "minute": 10}
